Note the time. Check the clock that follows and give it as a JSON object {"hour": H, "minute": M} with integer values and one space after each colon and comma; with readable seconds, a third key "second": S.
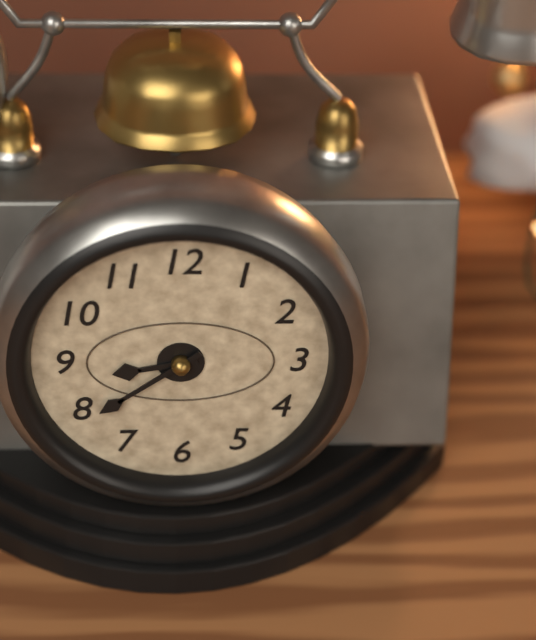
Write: {"hour": 8, "minute": 39}
